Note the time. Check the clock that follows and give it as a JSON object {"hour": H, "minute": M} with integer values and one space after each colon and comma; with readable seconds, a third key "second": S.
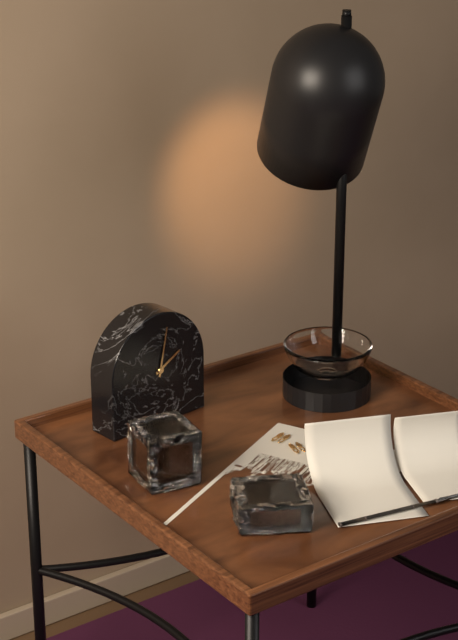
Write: {"hour": 2, "minute": 2}
